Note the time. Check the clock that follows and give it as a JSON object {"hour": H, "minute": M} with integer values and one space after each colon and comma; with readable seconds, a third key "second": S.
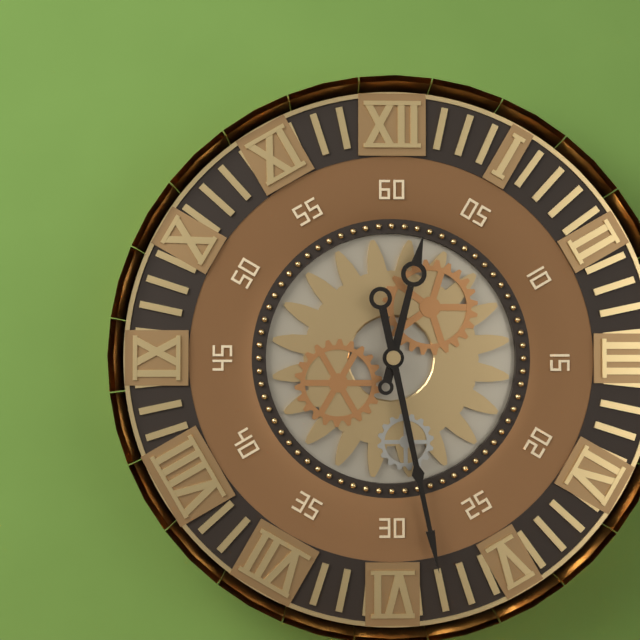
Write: {"hour": 12, "minute": 28}
